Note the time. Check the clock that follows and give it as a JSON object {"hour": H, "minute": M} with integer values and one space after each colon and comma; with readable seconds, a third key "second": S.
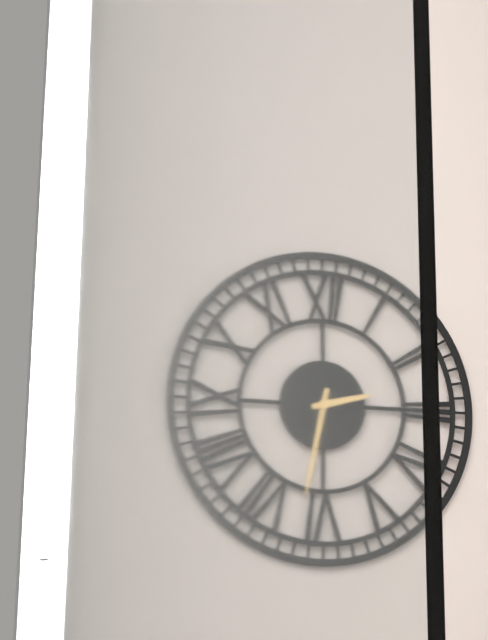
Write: {"hour": 2, "minute": 32}
